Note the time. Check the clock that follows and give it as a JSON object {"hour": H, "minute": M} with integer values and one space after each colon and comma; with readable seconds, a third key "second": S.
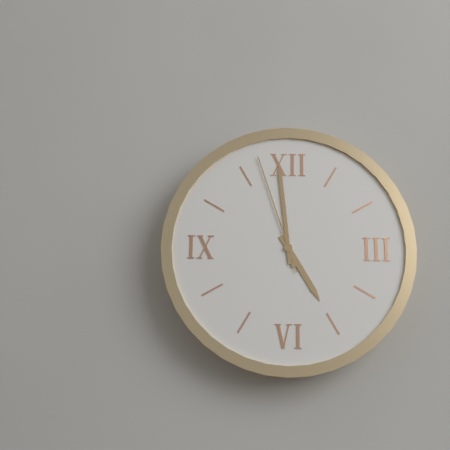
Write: {"hour": 4, "minute": 59, "second": 57}
